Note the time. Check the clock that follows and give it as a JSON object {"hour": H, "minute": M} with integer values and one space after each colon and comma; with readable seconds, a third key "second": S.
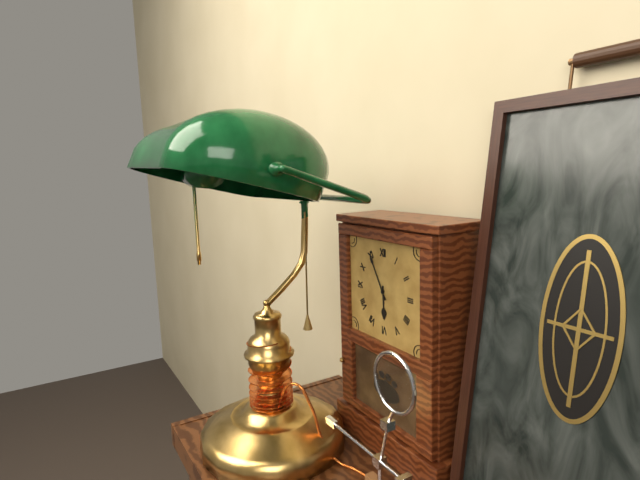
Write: {"hour": 5, "minute": 55}
